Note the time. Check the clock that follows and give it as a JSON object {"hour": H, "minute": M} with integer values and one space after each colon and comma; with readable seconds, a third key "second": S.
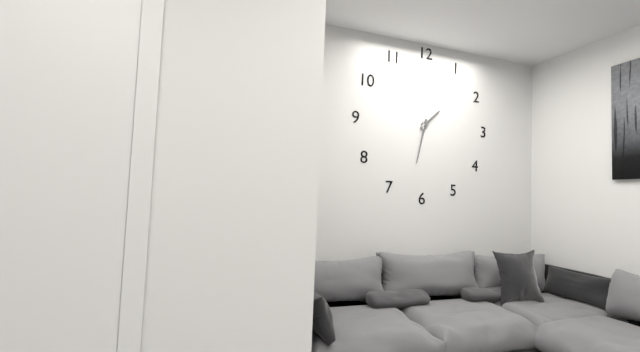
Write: {"hour": 1, "minute": 32}
